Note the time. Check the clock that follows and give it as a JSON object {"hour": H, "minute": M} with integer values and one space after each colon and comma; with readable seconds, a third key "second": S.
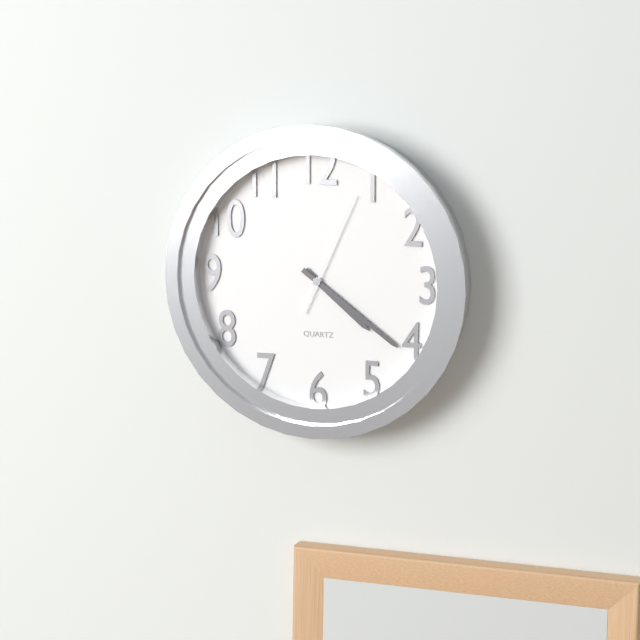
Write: {"hour": 4, "minute": 21, "second": 4}
